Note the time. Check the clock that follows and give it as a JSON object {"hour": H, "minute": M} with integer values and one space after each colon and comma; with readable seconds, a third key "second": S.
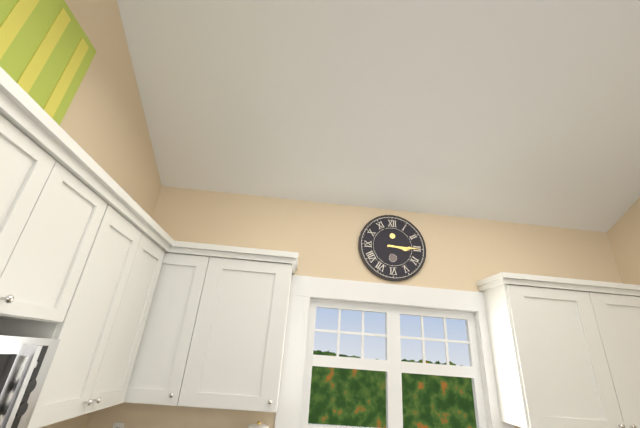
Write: {"hour": 3, "minute": 15}
